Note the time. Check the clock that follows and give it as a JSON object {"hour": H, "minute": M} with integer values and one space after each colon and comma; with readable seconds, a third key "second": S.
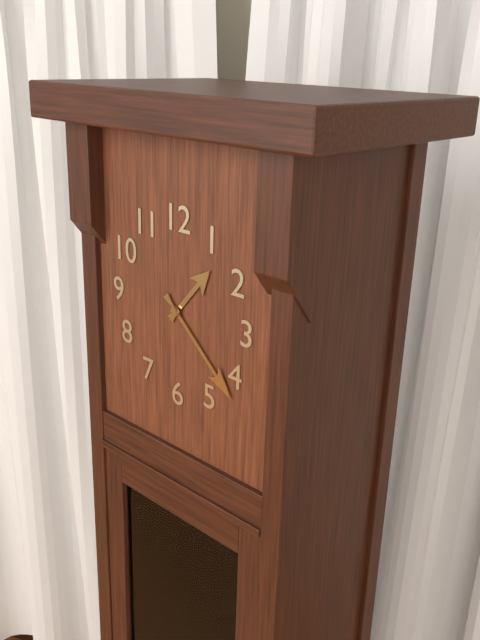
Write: {"hour": 1, "minute": 22}
